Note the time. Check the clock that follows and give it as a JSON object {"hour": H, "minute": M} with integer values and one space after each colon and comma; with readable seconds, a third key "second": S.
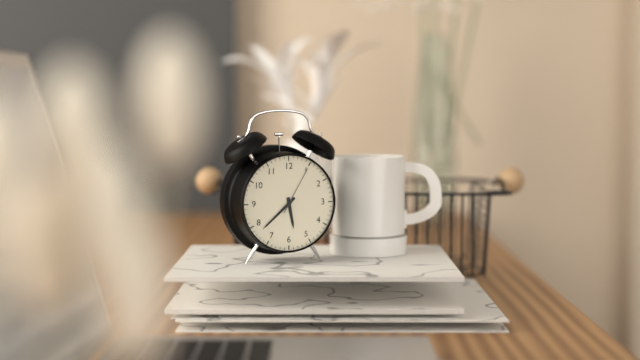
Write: {"hour": 5, "minute": 38, "second": 5}
